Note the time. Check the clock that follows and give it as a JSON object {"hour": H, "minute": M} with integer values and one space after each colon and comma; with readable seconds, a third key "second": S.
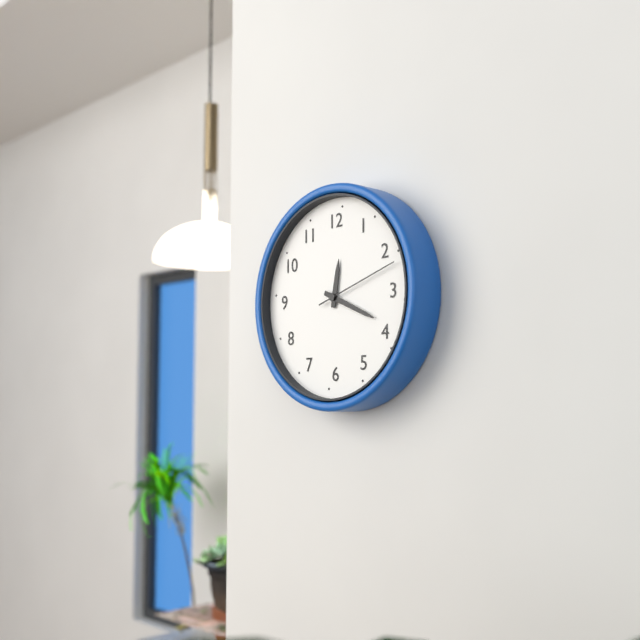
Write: {"hour": 12, "minute": 19, "second": 12}
